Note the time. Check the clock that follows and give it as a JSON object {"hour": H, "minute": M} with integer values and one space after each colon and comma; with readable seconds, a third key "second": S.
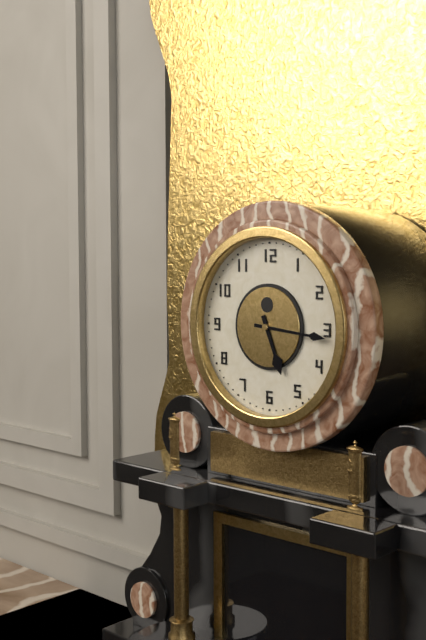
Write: {"hour": 5, "minute": 16}
